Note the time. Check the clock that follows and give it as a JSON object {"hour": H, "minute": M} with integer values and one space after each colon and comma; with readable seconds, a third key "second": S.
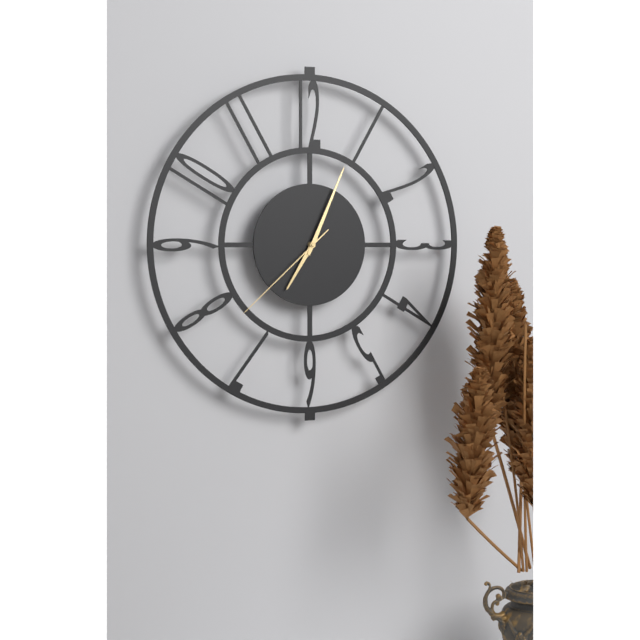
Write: {"hour": 7, "minute": 4, "second": 38}
